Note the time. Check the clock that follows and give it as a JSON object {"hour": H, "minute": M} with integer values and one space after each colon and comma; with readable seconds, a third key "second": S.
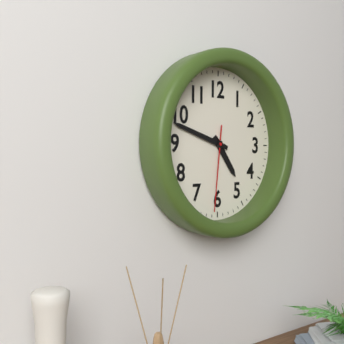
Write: {"hour": 4, "minute": 48, "second": 31}
